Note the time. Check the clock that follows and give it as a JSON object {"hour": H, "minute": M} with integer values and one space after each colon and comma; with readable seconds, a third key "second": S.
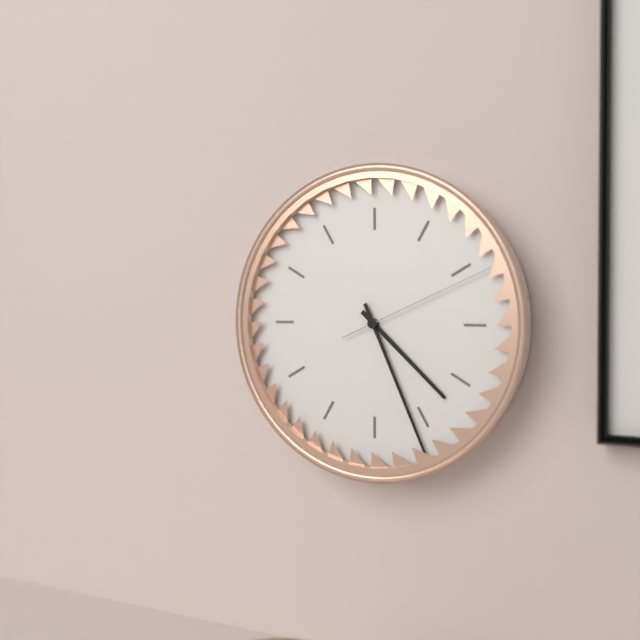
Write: {"hour": 4, "minute": 26, "second": 11}
